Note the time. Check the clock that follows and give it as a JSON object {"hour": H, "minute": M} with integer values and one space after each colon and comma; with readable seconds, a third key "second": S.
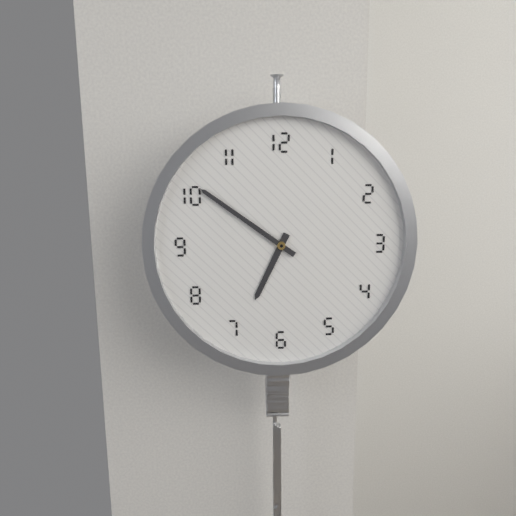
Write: {"hour": 6, "minute": 51}
